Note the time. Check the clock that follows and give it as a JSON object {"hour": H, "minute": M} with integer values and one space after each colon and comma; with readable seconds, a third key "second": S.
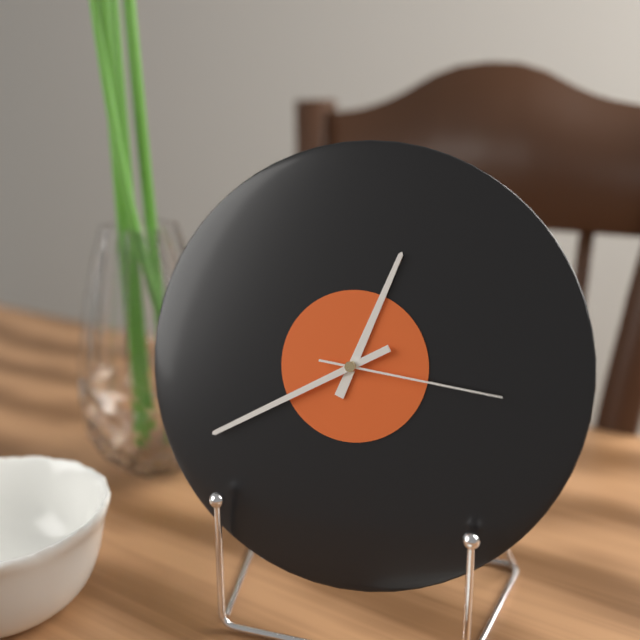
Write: {"hour": 12, "minute": 40, "second": 16}
